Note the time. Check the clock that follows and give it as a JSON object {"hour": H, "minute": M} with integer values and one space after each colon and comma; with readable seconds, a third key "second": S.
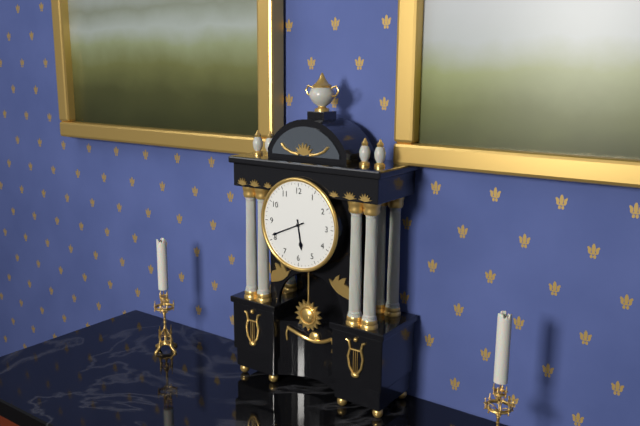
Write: {"hour": 5, "minute": 41}
